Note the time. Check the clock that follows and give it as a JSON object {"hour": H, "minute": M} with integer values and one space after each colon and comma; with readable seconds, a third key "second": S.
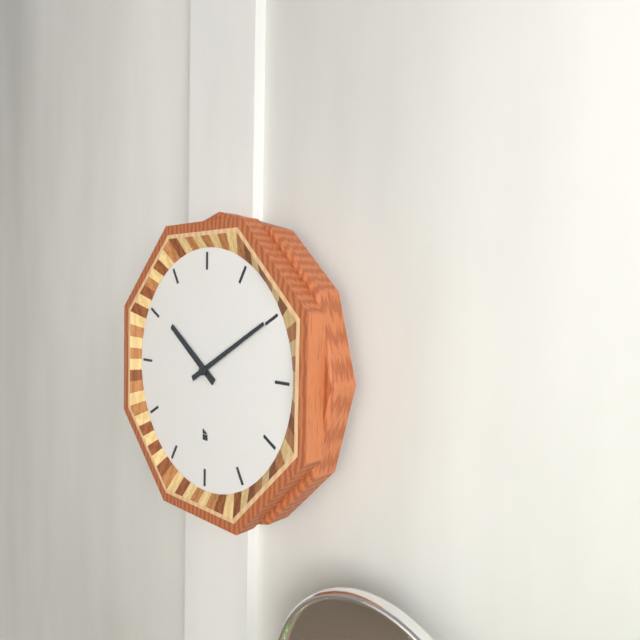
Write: {"hour": 10, "minute": 10}
